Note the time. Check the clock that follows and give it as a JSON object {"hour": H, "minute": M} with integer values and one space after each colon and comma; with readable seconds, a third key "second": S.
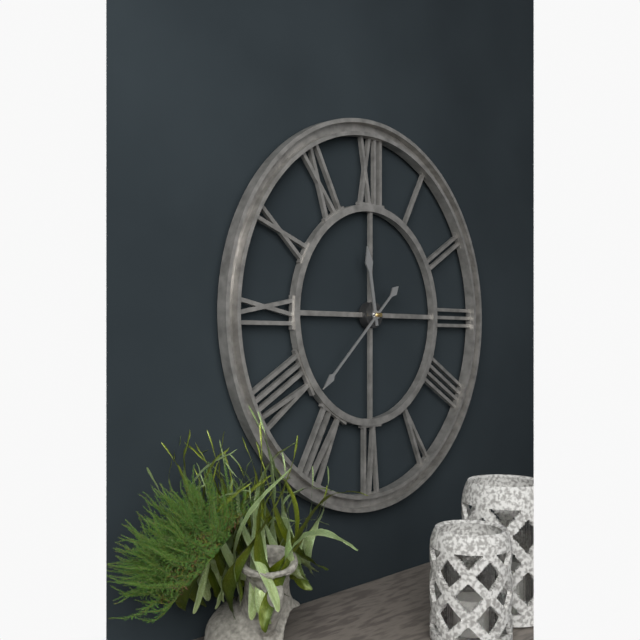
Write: {"hour": 11, "minute": 38}
